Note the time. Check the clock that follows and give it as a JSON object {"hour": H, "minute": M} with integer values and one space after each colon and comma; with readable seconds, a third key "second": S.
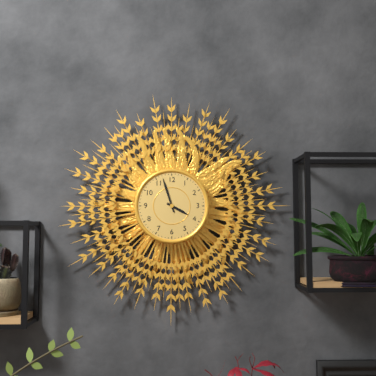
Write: {"hour": 3, "minute": 57}
